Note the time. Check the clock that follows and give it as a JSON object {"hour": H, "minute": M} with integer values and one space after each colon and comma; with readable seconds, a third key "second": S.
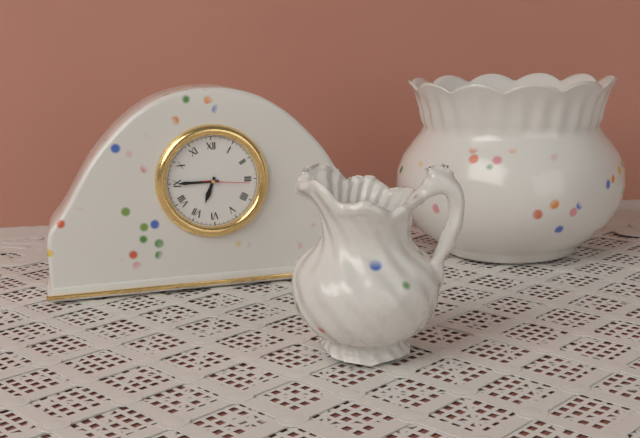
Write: {"hour": 6, "minute": 45}
